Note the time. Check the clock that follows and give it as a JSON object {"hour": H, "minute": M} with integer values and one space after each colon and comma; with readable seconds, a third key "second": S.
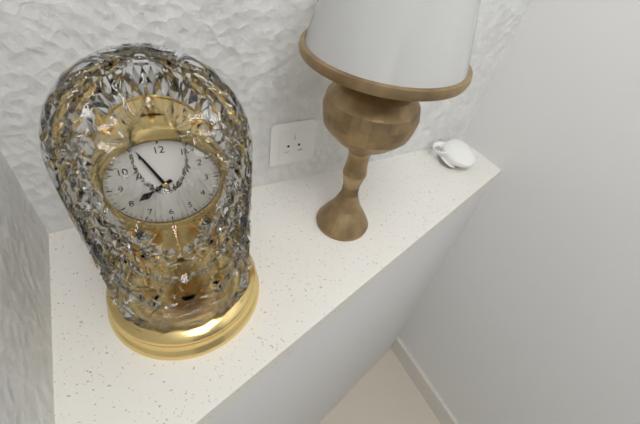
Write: {"hour": 7, "minute": 56}
